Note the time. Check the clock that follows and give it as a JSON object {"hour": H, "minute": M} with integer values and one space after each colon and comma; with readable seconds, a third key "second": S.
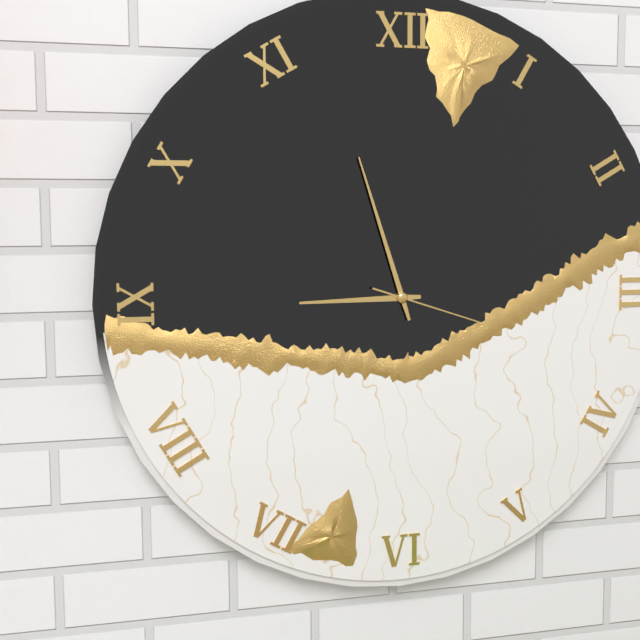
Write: {"hour": 8, "minute": 57, "second": 18}
